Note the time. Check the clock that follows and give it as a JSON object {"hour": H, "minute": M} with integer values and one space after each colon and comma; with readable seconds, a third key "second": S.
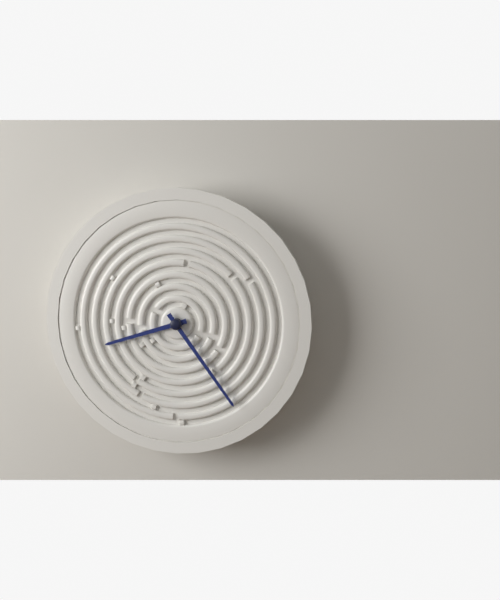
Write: {"hour": 8, "minute": 24}
